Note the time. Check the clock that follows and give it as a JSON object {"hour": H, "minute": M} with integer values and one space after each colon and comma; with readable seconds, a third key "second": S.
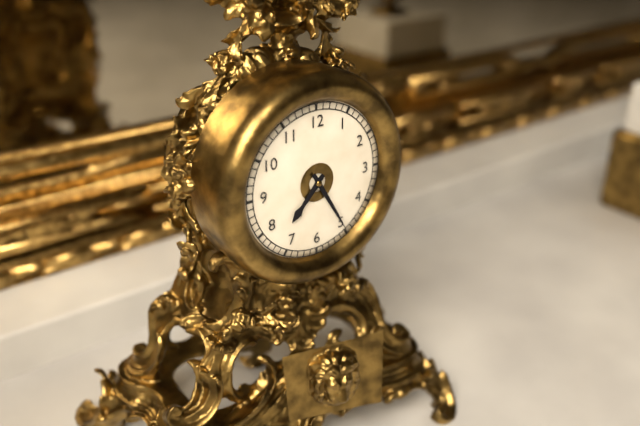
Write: {"hour": 7, "minute": 25}
